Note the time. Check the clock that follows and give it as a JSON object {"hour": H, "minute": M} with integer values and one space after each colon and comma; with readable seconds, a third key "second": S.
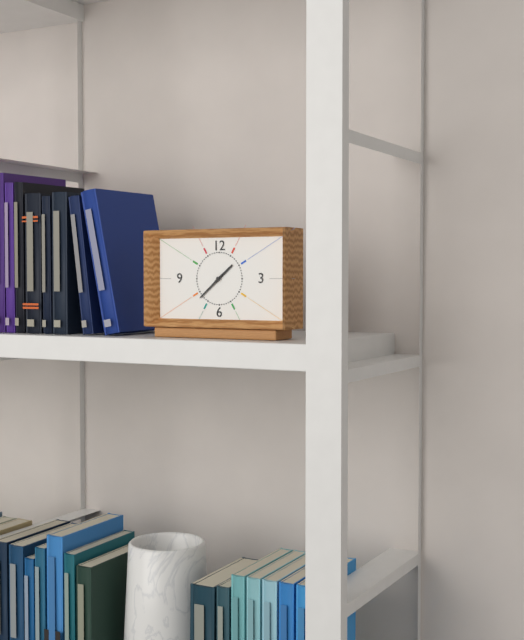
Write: {"hour": 1, "minute": 38}
